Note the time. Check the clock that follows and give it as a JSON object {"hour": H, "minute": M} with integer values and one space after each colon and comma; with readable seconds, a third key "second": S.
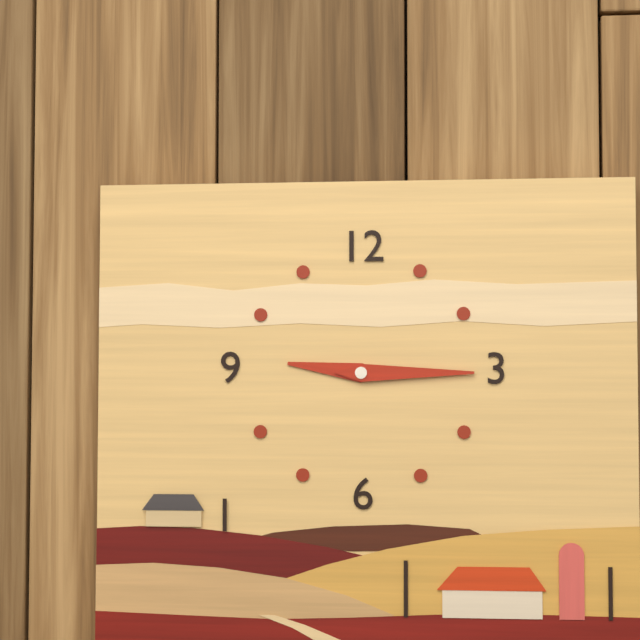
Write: {"hour": 9, "minute": 15}
